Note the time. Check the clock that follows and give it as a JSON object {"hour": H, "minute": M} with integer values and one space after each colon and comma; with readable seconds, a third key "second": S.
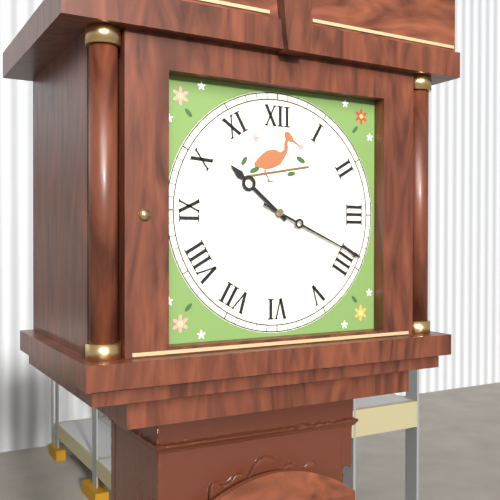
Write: {"hour": 10, "minute": 19}
